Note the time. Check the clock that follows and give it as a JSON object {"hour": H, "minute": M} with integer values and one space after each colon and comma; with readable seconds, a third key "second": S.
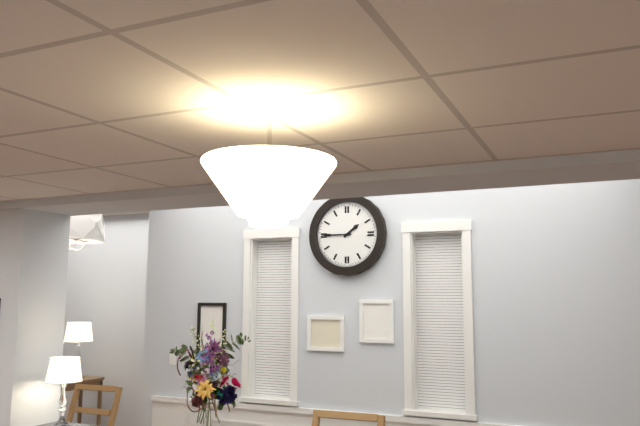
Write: {"hour": 1, "minute": 45}
